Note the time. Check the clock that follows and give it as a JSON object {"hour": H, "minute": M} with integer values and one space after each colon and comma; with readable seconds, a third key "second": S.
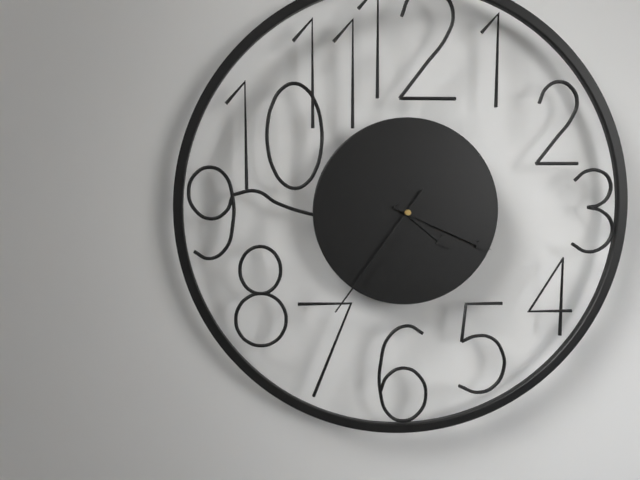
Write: {"hour": 4, "minute": 19, "second": 36}
